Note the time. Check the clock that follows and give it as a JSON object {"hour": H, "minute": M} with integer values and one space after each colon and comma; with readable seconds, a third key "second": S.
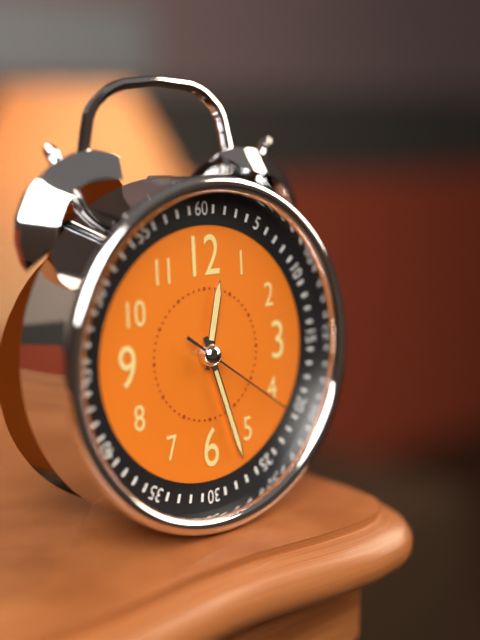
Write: {"hour": 12, "minute": 27, "second": 21}
